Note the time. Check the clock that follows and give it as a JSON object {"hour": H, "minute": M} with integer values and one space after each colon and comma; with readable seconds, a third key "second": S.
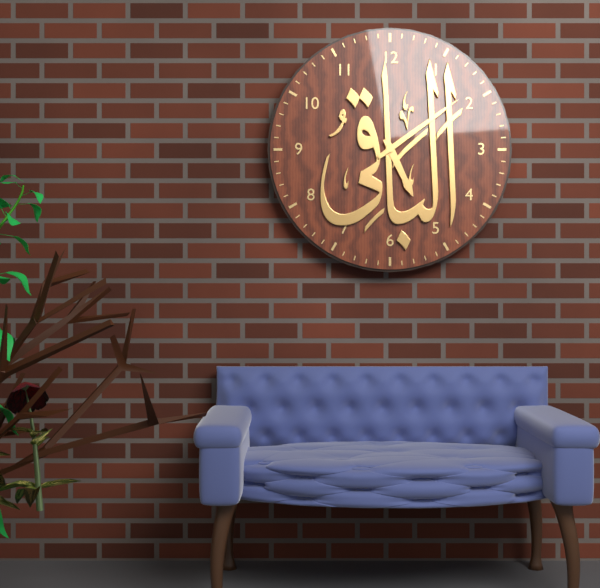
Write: {"hour": 5, "minute": 9}
